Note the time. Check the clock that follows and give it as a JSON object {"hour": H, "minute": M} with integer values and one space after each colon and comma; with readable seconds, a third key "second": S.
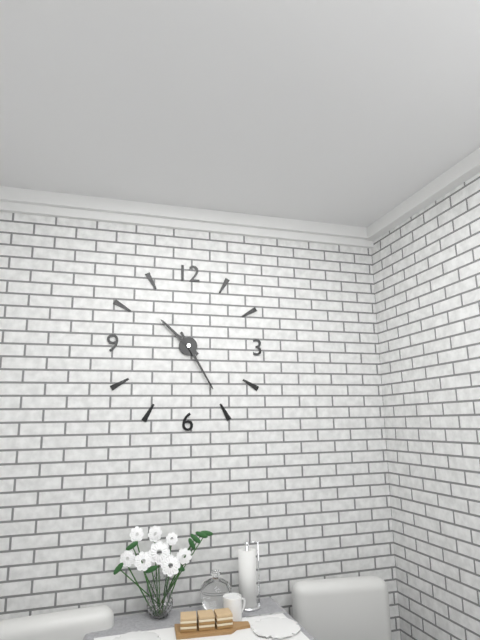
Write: {"hour": 10, "minute": 25}
